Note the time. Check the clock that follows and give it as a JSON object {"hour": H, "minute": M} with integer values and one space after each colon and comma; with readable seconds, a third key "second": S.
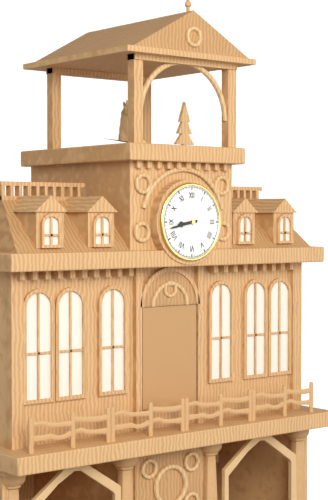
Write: {"hour": 8, "minute": 43}
